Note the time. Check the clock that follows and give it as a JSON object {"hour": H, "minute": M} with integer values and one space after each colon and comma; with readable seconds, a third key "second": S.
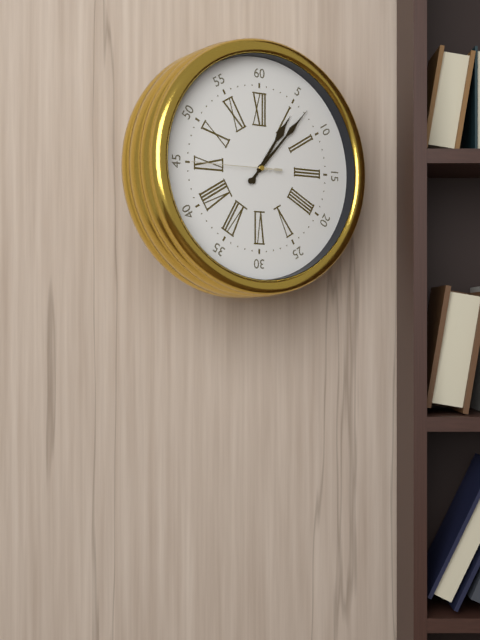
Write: {"hour": 1, "minute": 7, "second": 45}
